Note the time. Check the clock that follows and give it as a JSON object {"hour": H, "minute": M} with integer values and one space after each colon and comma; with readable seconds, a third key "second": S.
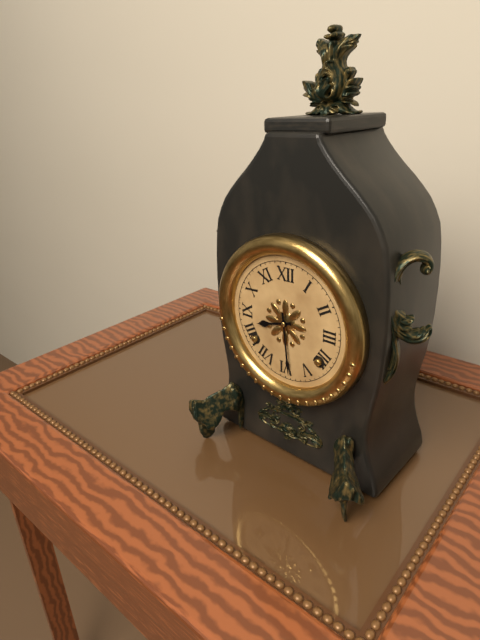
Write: {"hour": 8, "minute": 29}
